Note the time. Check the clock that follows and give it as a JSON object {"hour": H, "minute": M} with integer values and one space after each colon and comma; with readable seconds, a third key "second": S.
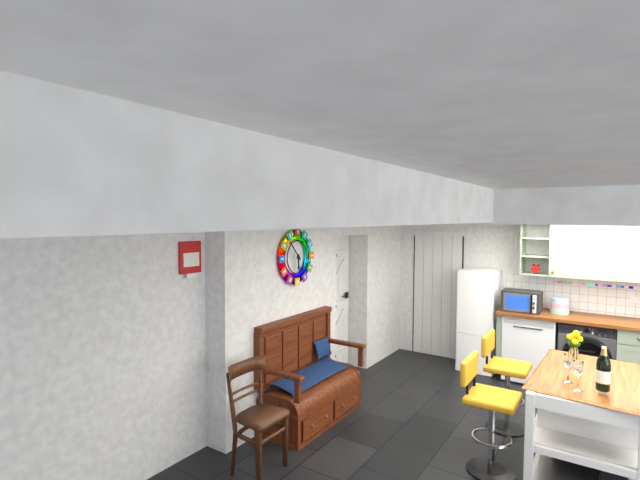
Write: {"hour": 5, "minute": 53}
